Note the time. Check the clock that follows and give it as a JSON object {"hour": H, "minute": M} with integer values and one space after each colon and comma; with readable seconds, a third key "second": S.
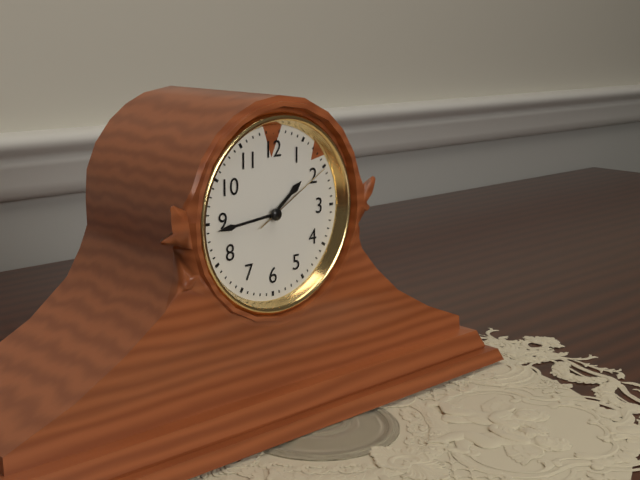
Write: {"hour": 1, "minute": 44, "second": 10}
